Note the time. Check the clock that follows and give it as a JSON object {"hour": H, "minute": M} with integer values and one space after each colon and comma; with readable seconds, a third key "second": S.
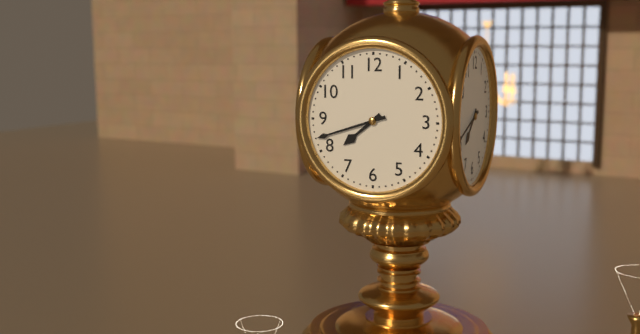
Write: {"hour": 7, "minute": 42}
